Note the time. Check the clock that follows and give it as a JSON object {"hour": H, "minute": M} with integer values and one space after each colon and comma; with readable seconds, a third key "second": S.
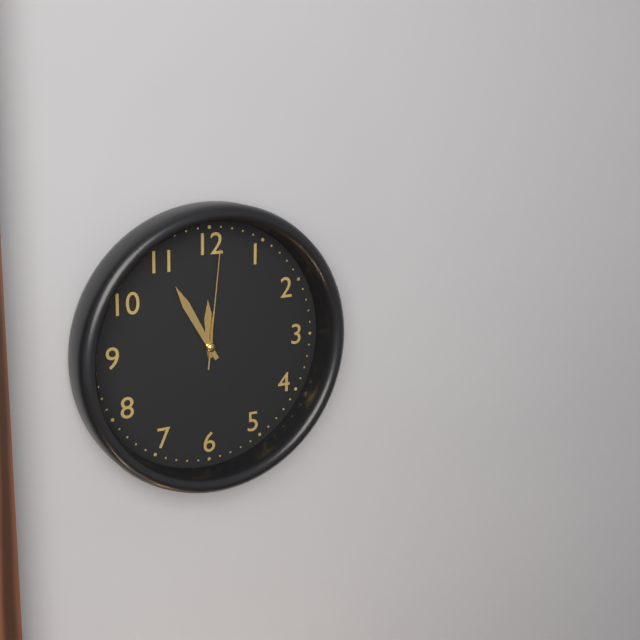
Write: {"hour": 11, "minute": 55, "second": 1}
